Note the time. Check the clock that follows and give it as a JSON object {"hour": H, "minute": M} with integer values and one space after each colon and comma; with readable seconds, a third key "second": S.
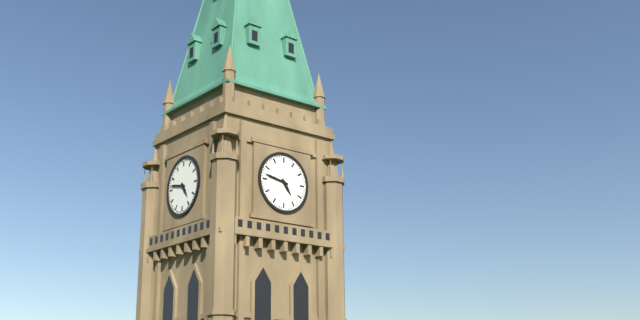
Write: {"hour": 4, "minute": 47}
